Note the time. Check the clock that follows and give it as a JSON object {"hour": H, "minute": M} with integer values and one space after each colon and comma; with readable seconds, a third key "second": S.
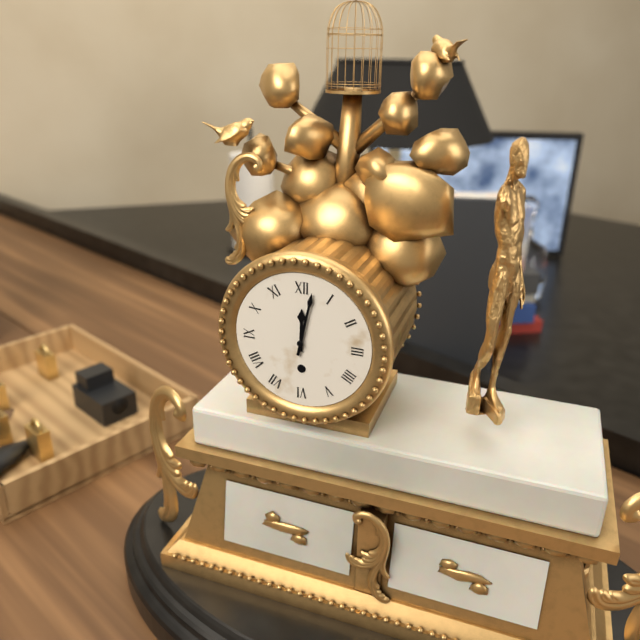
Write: {"hour": 12, "minute": 2}
